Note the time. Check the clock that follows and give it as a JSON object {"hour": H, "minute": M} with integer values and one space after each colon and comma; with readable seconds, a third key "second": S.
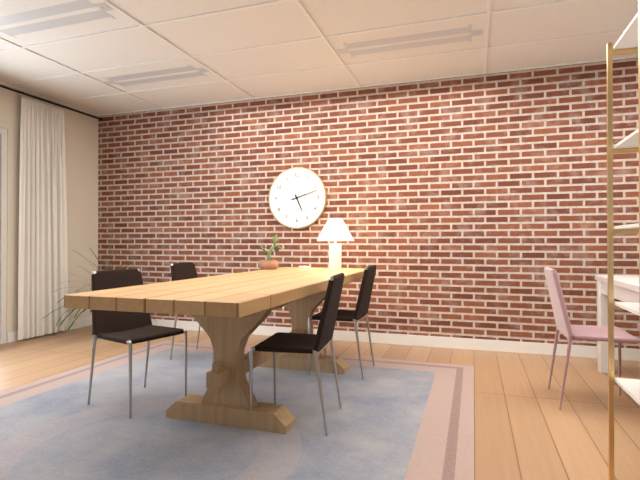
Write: {"hour": 5, "minute": 12}
